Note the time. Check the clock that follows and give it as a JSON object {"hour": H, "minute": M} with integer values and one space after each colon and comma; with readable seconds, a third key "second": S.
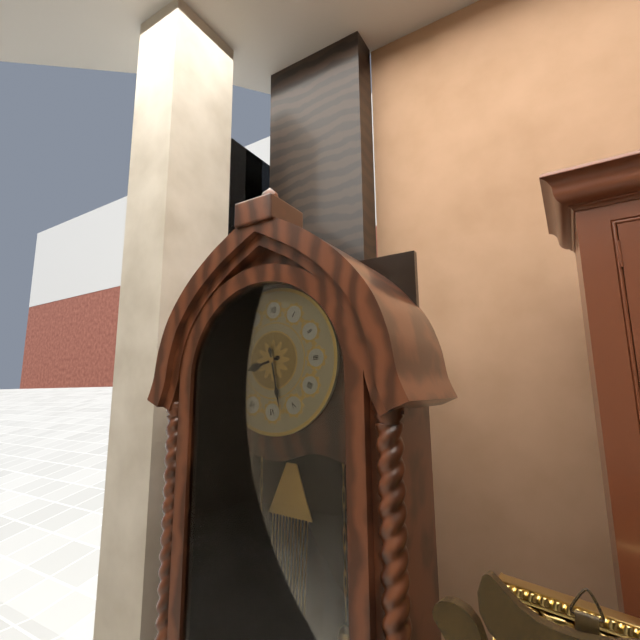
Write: {"hour": 8, "minute": 28}
